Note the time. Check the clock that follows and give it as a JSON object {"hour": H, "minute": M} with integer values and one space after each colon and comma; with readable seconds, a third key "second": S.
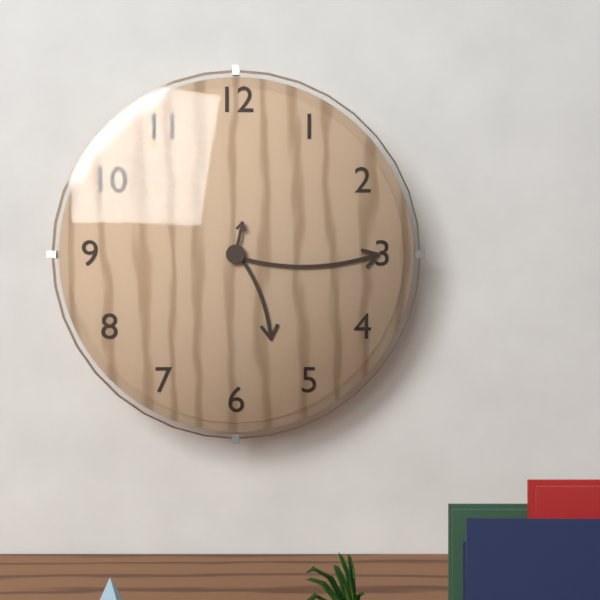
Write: {"hour": 5, "minute": 15}
